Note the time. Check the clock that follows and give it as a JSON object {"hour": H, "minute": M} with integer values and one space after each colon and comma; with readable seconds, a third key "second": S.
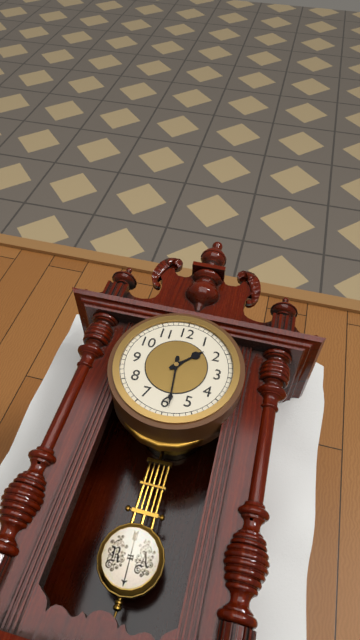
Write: {"hour": 1, "minute": 29}
